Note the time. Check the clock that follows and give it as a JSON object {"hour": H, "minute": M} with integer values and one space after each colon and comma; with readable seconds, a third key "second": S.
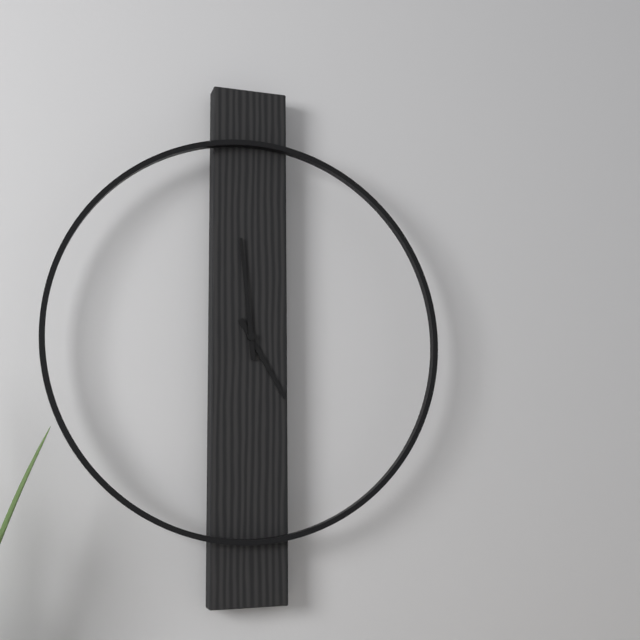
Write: {"hour": 4, "minute": 59}
